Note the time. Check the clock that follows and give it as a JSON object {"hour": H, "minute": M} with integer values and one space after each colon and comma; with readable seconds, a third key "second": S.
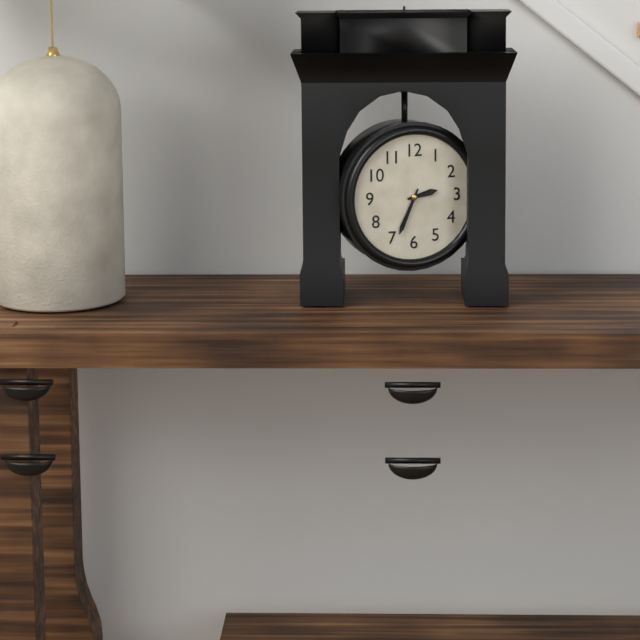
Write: {"hour": 2, "minute": 34}
